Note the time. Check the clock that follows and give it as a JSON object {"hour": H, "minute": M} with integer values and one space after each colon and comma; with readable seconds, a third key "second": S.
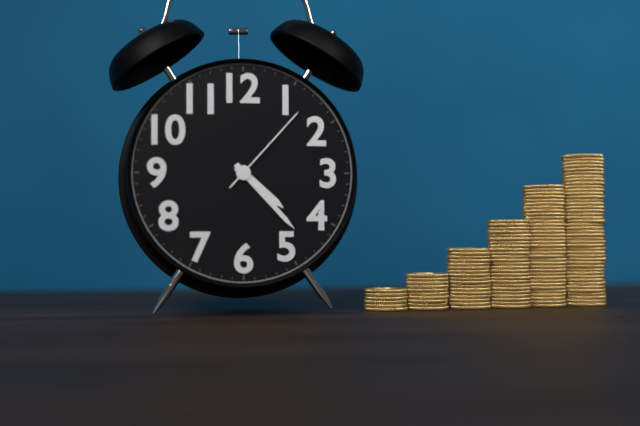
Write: {"hour": 4, "minute": 23, "second": 7}
